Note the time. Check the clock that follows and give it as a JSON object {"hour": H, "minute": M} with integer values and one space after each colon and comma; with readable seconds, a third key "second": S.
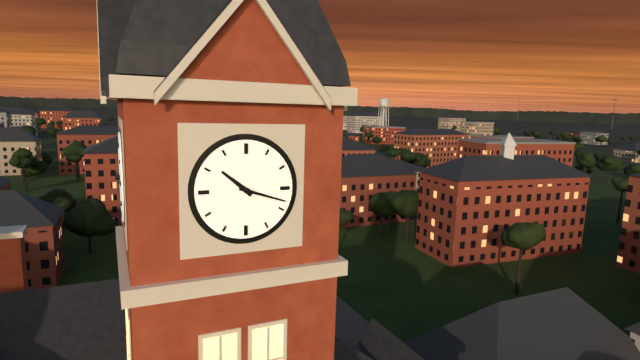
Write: {"hour": 10, "minute": 18}
